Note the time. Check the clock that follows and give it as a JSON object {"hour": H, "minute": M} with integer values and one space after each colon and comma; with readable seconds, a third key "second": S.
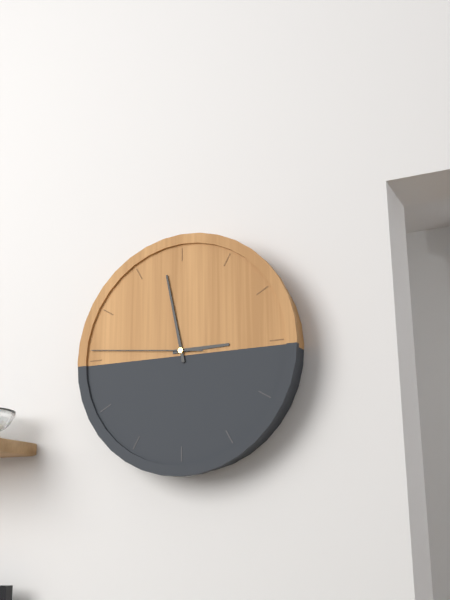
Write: {"hour": 2, "minute": 58, "second": 46}
